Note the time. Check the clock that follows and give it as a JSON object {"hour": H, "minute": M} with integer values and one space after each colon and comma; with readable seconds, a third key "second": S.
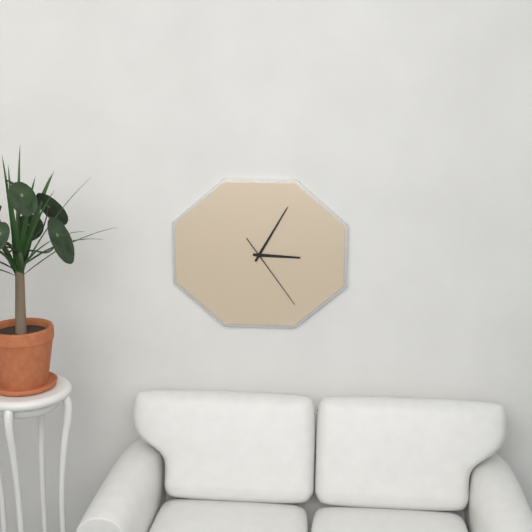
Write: {"hour": 3, "minute": 5, "second": 24}
